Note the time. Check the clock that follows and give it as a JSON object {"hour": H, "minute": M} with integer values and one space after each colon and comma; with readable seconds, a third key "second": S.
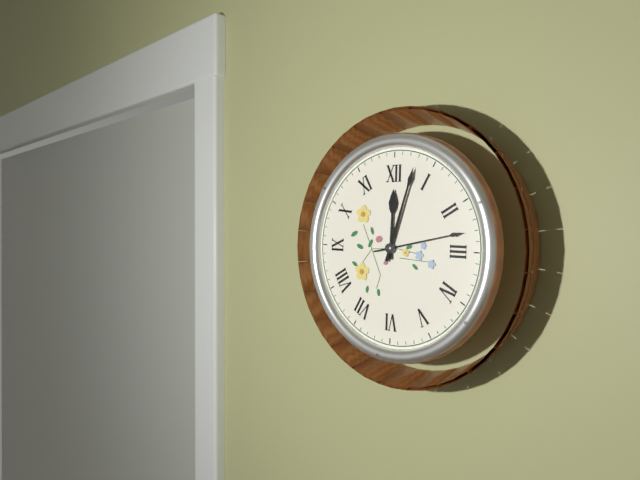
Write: {"hour": 12, "minute": 3, "second": 13}
